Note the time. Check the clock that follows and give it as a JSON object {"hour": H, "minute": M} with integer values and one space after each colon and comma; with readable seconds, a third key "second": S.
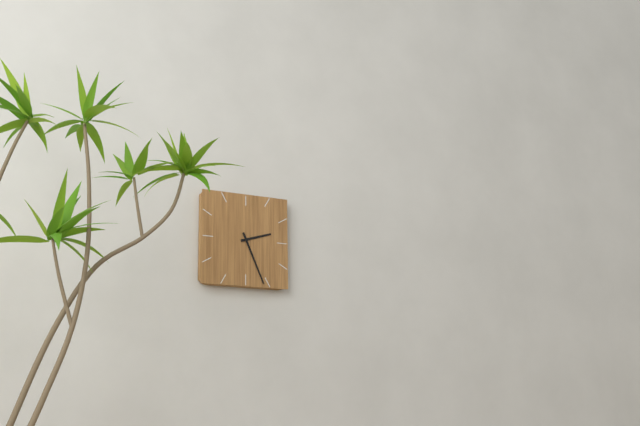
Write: {"hour": 2, "minute": 26}
